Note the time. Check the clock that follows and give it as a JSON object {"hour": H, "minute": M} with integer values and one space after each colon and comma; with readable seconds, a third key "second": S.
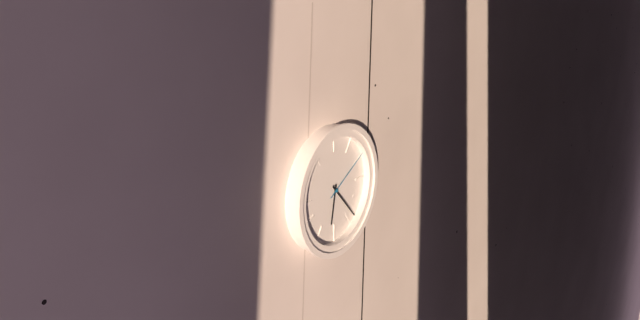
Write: {"hour": 6, "minute": 23, "second": 10}
